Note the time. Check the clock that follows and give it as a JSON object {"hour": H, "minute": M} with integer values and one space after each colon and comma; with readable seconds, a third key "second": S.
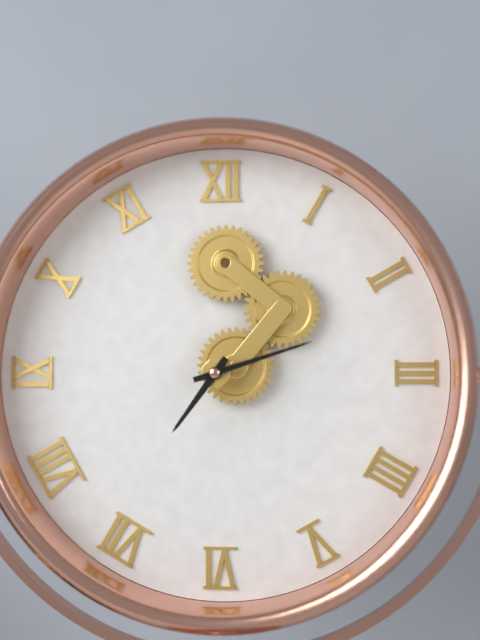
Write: {"hour": 7, "minute": 12}
